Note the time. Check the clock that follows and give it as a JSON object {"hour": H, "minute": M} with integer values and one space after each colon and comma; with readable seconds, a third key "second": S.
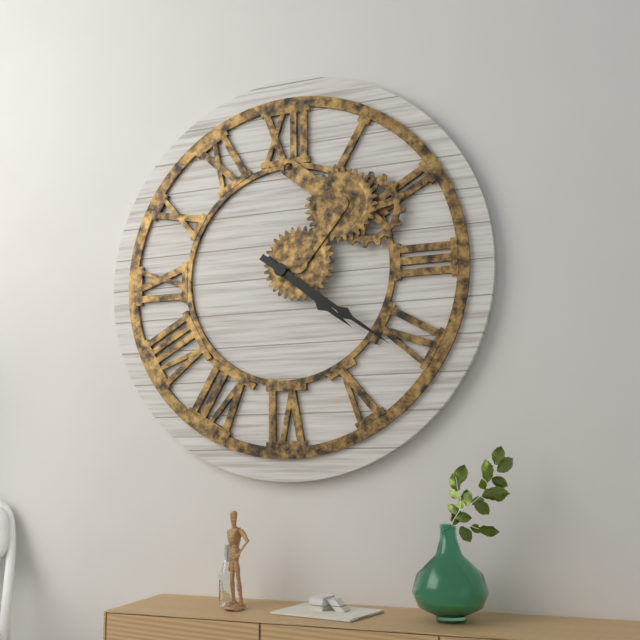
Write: {"hour": 4, "minute": 21}
